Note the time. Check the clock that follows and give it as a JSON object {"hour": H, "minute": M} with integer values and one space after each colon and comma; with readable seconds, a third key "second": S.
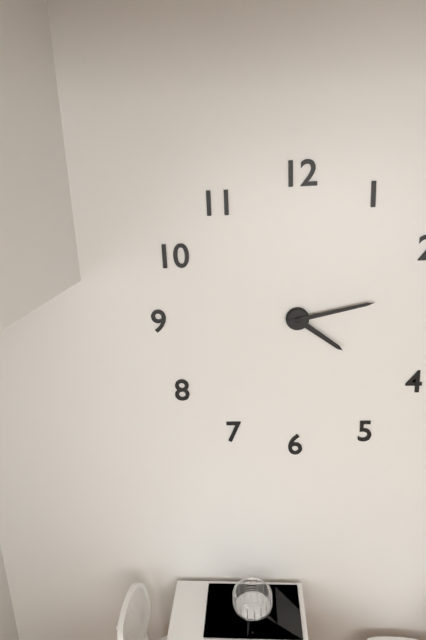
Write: {"hour": 4, "minute": 13}
